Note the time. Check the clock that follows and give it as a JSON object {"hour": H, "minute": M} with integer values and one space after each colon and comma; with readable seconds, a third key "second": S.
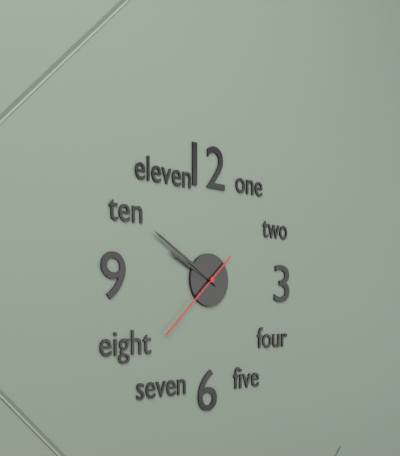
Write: {"hour": 9, "minute": 50, "second": 38}
